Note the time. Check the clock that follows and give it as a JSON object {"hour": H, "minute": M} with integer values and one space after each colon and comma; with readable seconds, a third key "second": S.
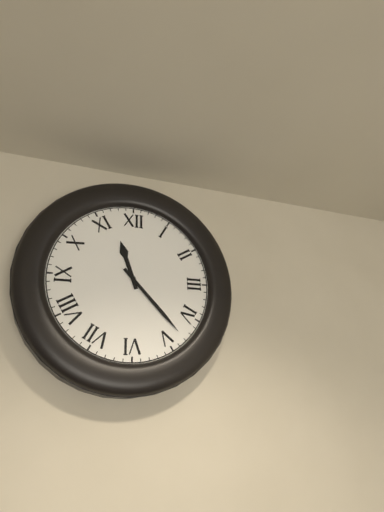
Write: {"hour": 11, "minute": 23}
